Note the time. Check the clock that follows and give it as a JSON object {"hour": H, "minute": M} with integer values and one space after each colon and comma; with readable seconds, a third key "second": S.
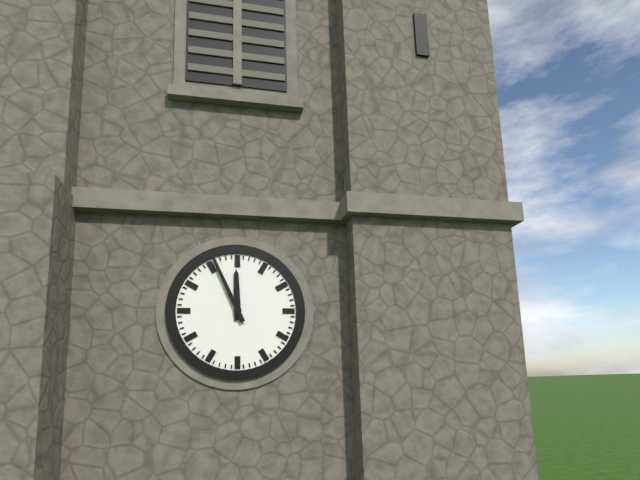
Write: {"hour": 11, "minute": 56}
